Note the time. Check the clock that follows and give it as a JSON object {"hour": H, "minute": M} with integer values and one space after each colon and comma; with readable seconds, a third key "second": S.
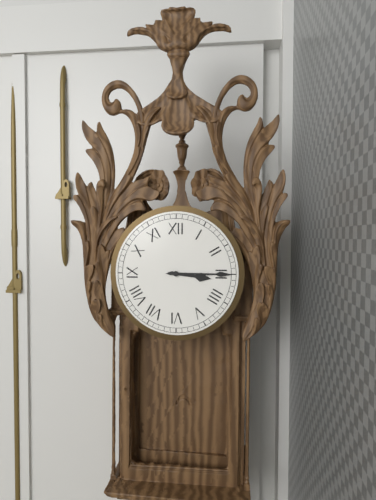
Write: {"hour": 3, "minute": 15}
